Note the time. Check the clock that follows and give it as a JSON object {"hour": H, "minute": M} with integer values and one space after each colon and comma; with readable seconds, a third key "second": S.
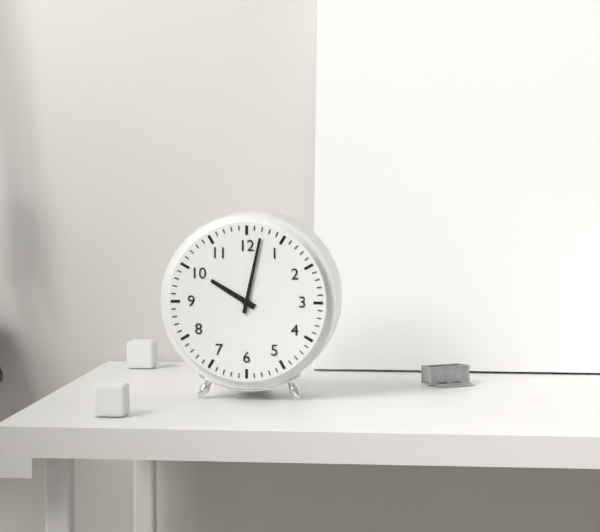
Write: {"hour": 10, "minute": 2}
